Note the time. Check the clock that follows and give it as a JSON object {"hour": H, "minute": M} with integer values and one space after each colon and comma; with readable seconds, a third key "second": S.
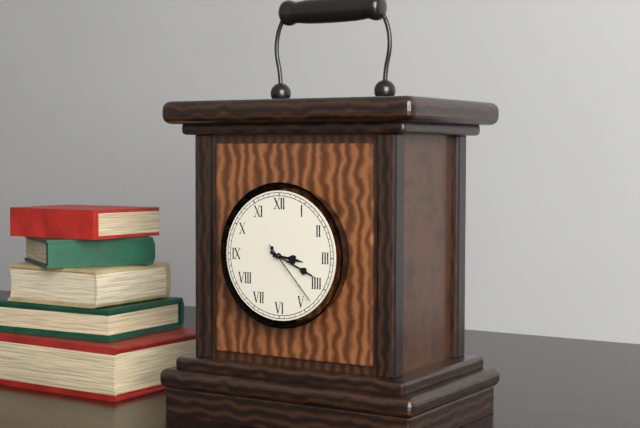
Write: {"hour": 3, "minute": 19, "second": 23}
